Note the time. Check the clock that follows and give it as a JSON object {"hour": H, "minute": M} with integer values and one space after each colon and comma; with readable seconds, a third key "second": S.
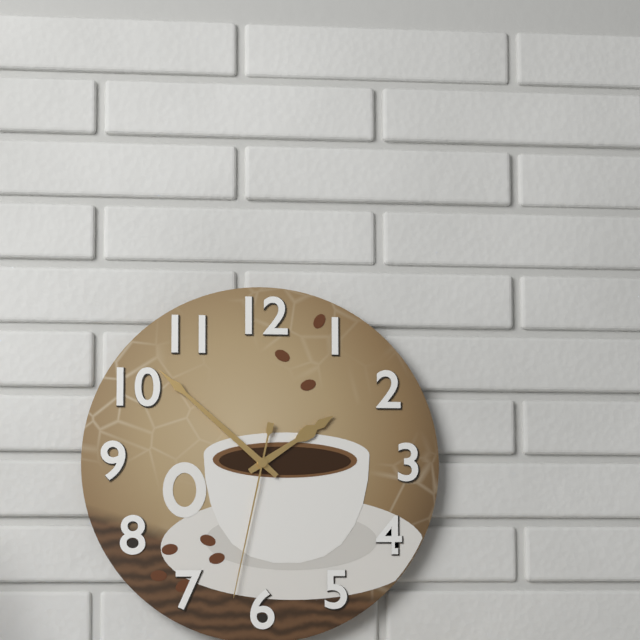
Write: {"hour": 1, "minute": 52, "second": 32}
